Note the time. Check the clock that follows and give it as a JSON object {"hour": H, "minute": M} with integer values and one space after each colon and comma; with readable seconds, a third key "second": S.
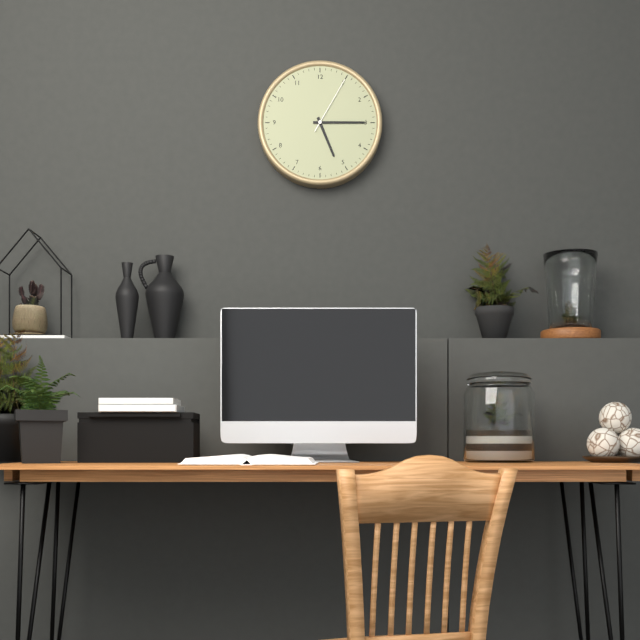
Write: {"hour": 5, "minute": 15, "second": 5}
